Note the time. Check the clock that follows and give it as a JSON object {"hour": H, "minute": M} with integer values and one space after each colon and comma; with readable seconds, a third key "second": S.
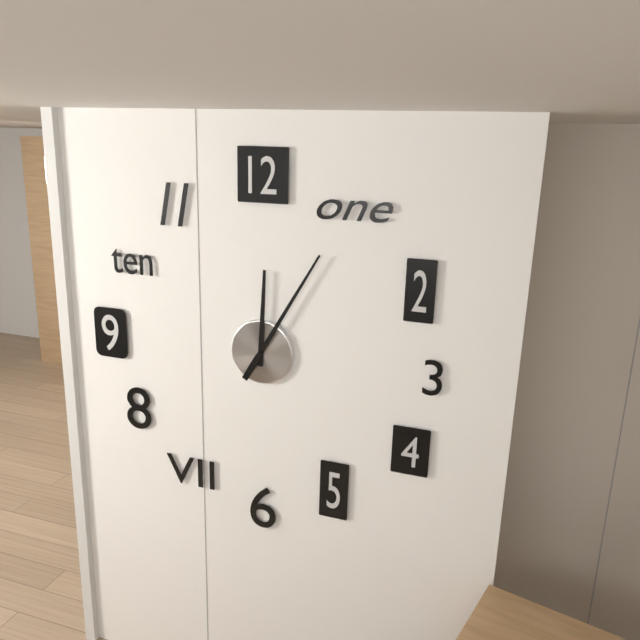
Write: {"hour": 12, "minute": 5}
